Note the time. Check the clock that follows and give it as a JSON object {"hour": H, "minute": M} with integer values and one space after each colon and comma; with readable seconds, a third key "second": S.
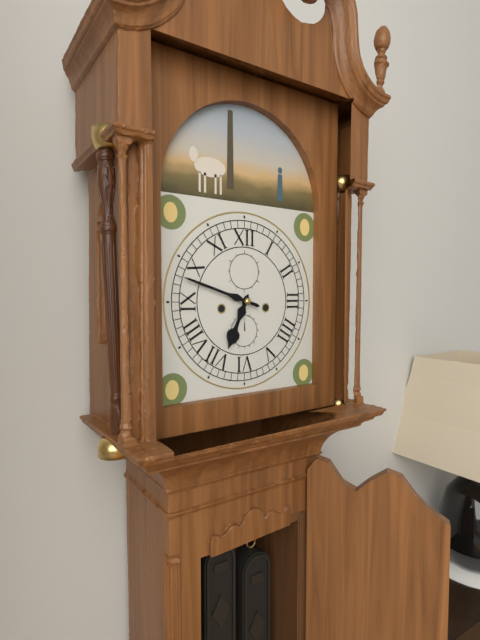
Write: {"hour": 6, "minute": 48}
